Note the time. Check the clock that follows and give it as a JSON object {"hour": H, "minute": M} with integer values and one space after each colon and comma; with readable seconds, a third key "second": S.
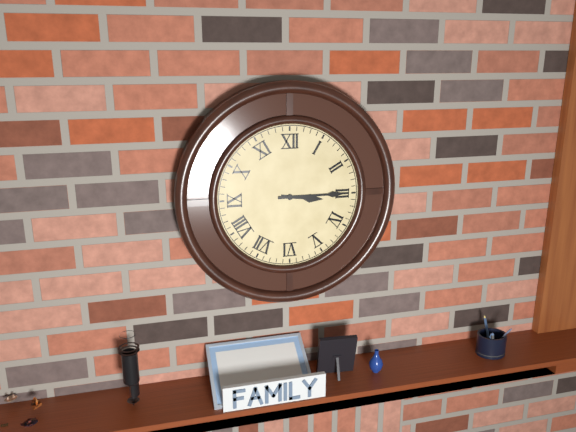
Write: {"hour": 3, "minute": 15}
